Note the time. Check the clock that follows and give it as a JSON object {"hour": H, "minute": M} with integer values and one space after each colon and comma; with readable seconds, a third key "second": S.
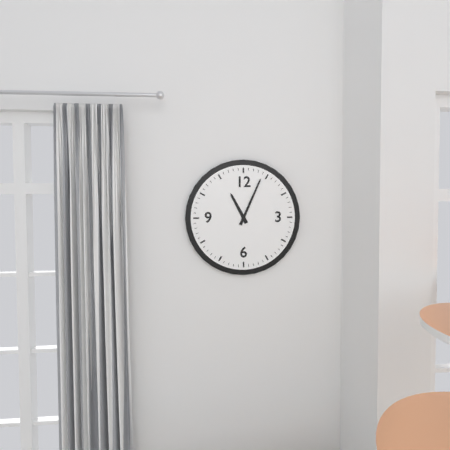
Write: {"hour": 11, "minute": 4}
